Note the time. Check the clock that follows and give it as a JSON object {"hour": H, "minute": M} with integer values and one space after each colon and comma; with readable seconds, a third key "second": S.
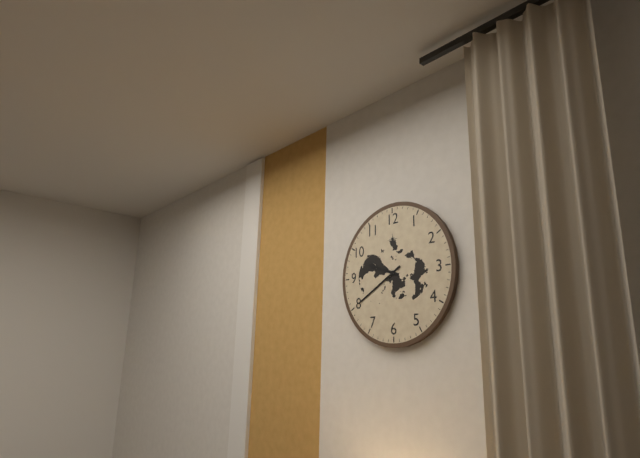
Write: {"hour": 9, "minute": 40}
